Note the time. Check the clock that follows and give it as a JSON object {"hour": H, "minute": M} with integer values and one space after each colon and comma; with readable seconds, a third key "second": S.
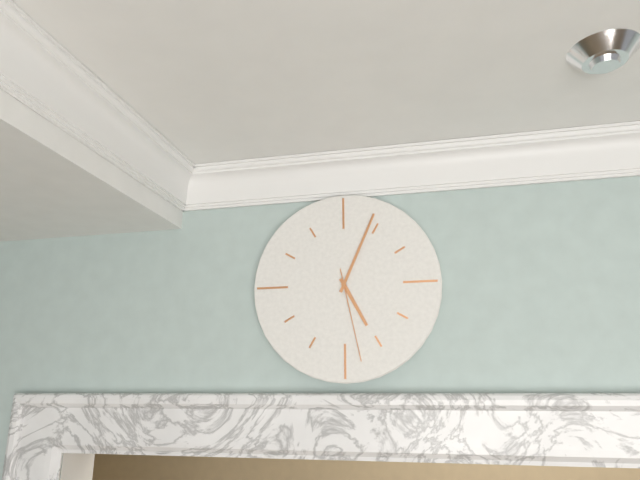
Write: {"hour": 5, "minute": 4, "second": 28}
